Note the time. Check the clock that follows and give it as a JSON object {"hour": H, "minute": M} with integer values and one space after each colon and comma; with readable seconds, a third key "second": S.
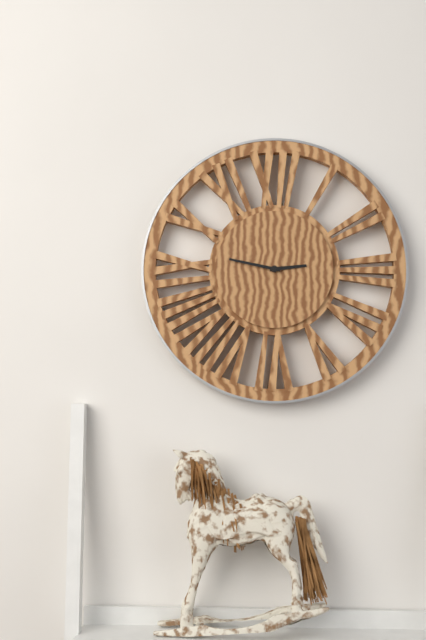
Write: {"hour": 2, "minute": 47}
